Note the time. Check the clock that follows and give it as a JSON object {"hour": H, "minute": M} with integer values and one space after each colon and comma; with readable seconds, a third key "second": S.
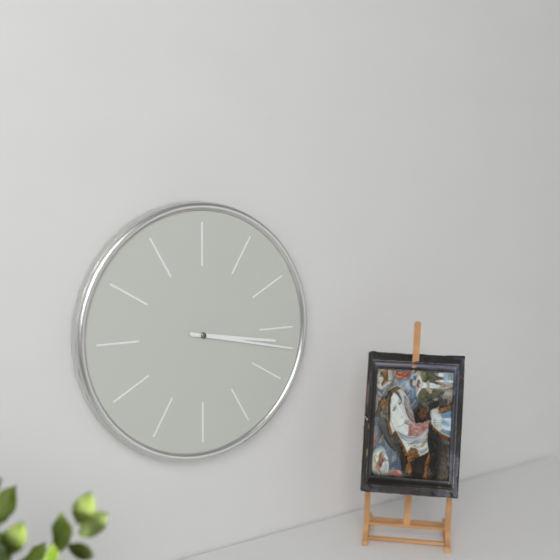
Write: {"hour": 3, "minute": 17}
